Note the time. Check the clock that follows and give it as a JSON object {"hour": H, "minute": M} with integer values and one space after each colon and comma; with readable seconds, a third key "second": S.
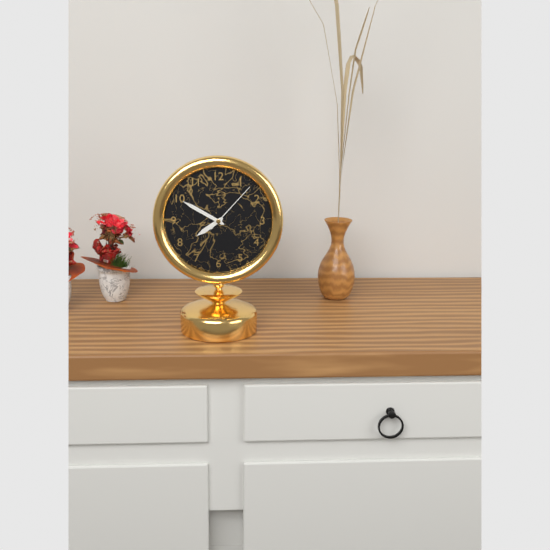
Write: {"hour": 7, "minute": 50, "second": 7}
